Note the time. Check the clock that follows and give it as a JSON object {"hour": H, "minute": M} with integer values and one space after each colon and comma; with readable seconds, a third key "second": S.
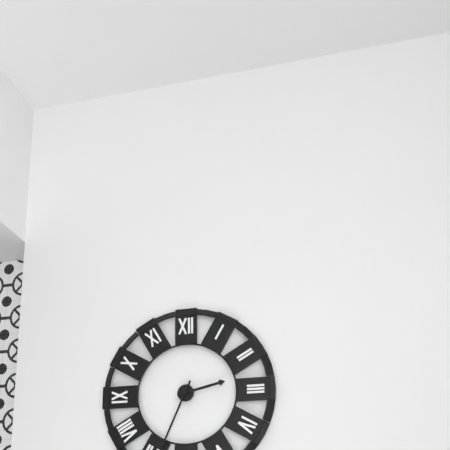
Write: {"hour": 2, "minute": 34}
